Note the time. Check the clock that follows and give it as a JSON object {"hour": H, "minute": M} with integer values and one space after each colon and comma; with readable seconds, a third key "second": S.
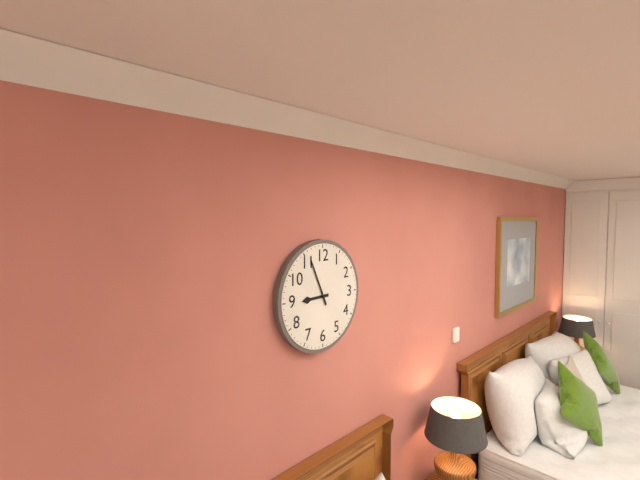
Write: {"hour": 8, "minute": 56}
